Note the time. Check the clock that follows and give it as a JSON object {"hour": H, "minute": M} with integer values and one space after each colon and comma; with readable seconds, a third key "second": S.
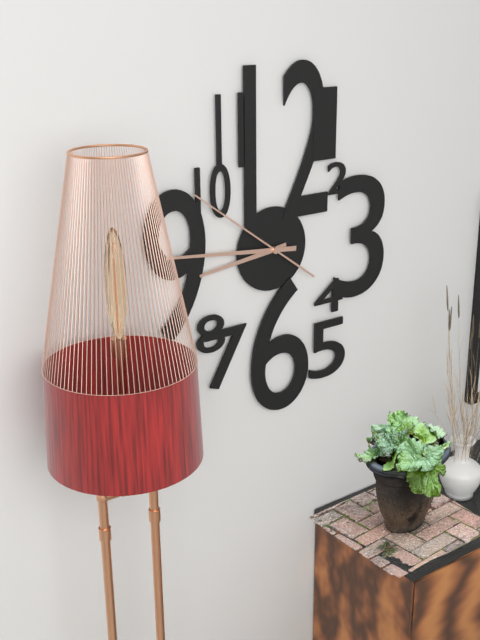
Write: {"hour": 8, "minute": 46, "second": 51}
